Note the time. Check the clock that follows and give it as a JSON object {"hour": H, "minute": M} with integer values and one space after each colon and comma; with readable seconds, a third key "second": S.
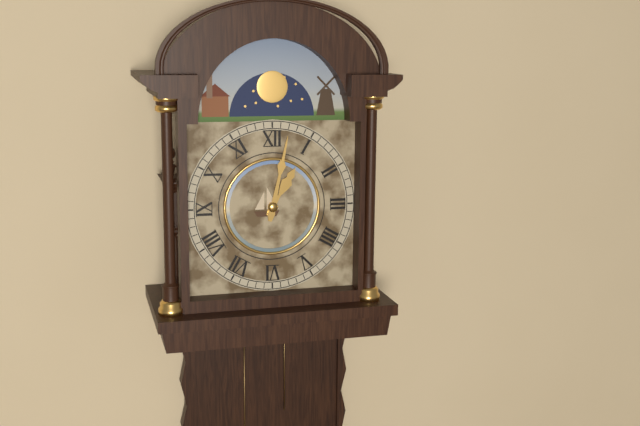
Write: {"hour": 1, "minute": 2}
